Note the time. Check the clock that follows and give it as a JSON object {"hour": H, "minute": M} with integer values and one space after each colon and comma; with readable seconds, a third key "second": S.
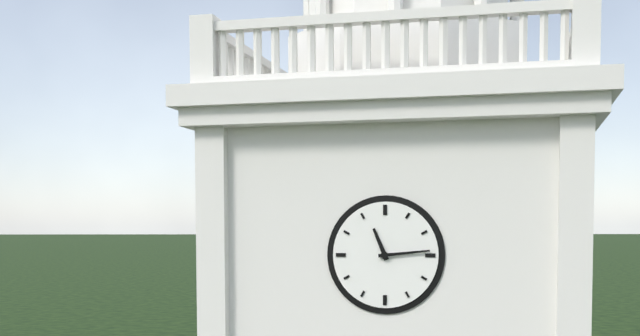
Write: {"hour": 11, "minute": 14}
